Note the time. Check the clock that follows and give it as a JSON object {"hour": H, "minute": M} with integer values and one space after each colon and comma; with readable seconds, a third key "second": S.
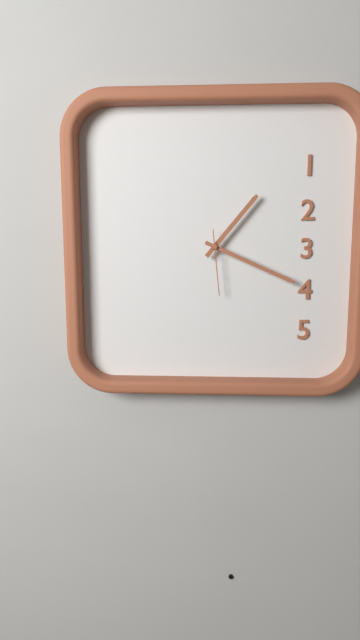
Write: {"hour": 1, "minute": 19, "second": 29}
